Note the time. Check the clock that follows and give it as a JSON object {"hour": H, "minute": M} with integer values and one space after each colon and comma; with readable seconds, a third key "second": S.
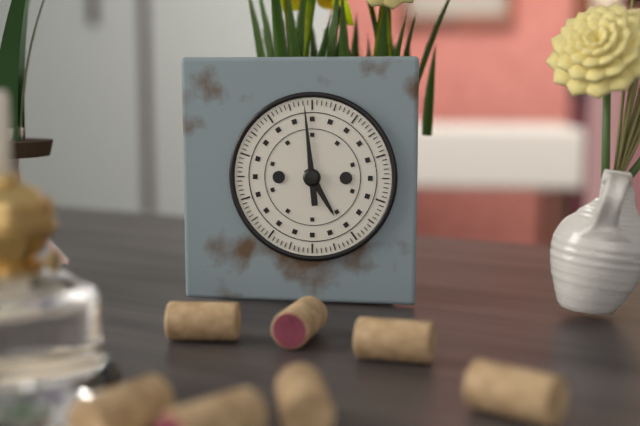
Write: {"hour": 4, "minute": 59}
